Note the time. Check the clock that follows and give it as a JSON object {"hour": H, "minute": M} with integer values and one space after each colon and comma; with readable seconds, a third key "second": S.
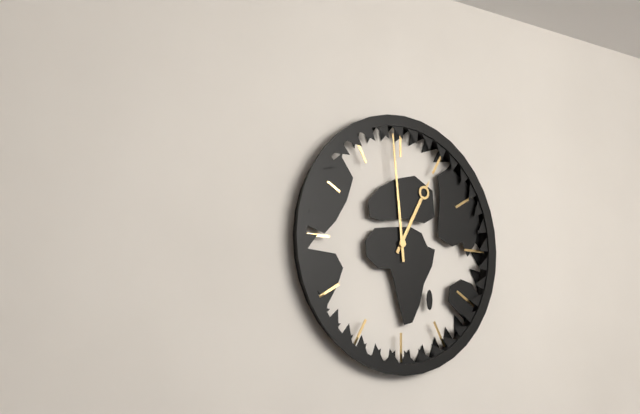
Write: {"hour": 12, "minute": 59}
